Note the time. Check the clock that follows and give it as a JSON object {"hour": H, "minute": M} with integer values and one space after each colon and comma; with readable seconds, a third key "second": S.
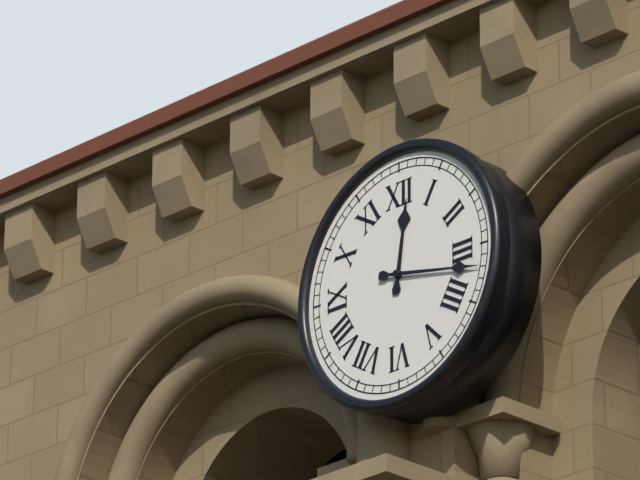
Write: {"hour": 12, "minute": 17}
